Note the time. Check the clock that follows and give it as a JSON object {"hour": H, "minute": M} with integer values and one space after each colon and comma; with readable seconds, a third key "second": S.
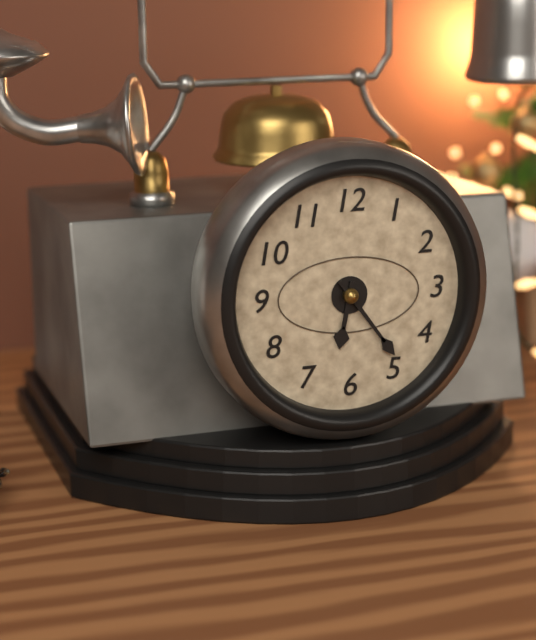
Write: {"hour": 6, "minute": 24}
